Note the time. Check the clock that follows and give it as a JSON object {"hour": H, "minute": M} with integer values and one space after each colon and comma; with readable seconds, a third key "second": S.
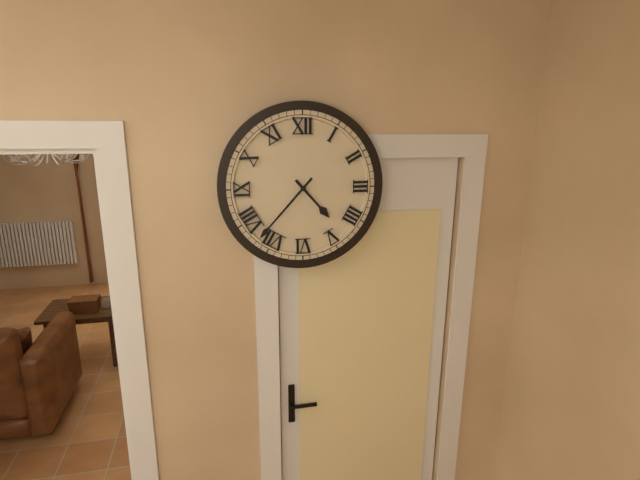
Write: {"hour": 4, "minute": 37}
